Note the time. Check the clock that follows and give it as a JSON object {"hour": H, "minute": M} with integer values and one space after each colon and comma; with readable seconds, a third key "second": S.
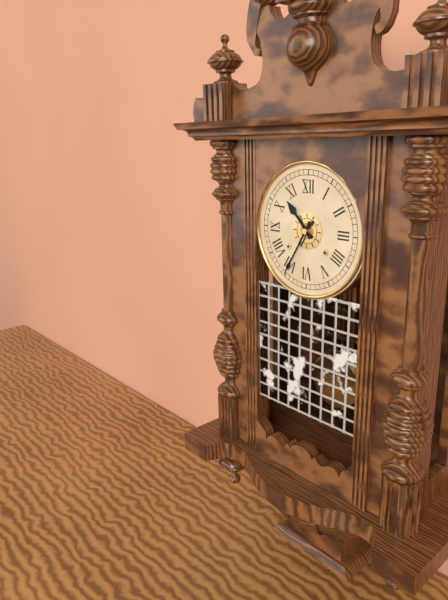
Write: {"hour": 10, "minute": 35}
